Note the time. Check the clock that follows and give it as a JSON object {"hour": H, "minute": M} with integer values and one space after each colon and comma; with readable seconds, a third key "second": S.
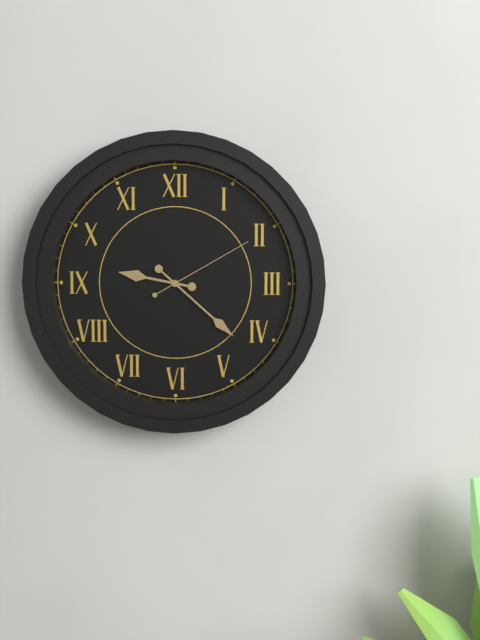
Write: {"hour": 9, "minute": 22, "second": 10}
